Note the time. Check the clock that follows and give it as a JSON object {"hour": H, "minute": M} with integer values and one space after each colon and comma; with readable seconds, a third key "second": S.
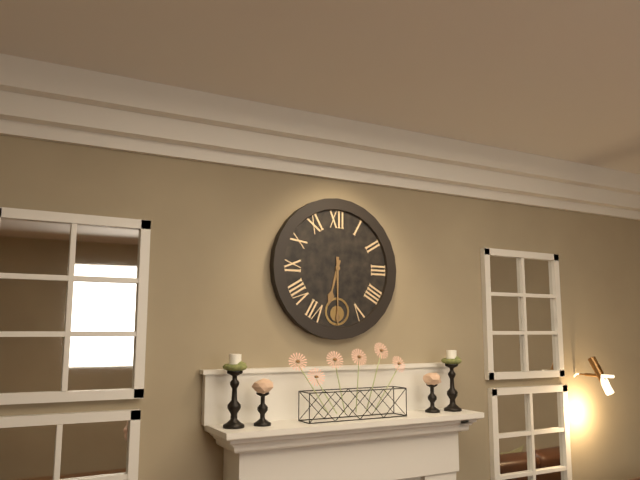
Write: {"hour": 6, "minute": 30}
